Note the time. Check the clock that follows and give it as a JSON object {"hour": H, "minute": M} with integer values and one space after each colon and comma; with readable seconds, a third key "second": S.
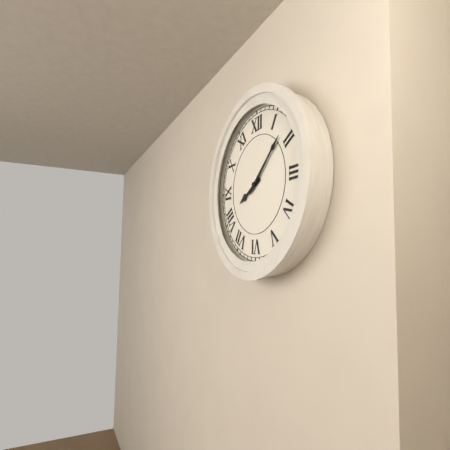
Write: {"hour": 8, "minute": 8}
